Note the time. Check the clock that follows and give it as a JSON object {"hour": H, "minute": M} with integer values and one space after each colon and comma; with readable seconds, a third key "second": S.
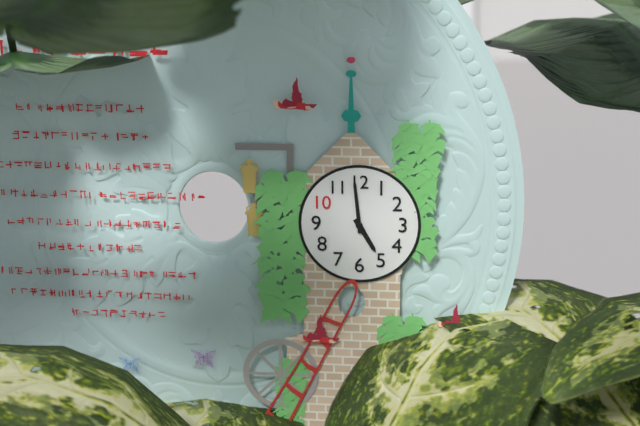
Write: {"hour": 4, "minute": 59}
